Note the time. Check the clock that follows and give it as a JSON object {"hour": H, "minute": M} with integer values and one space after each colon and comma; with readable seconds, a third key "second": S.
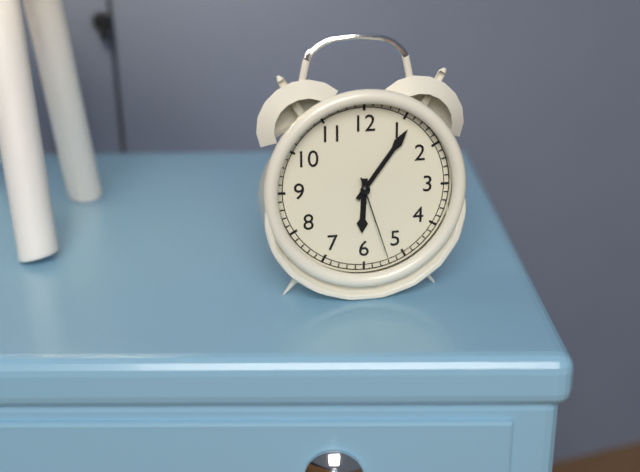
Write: {"hour": 6, "minute": 6, "second": 27}
